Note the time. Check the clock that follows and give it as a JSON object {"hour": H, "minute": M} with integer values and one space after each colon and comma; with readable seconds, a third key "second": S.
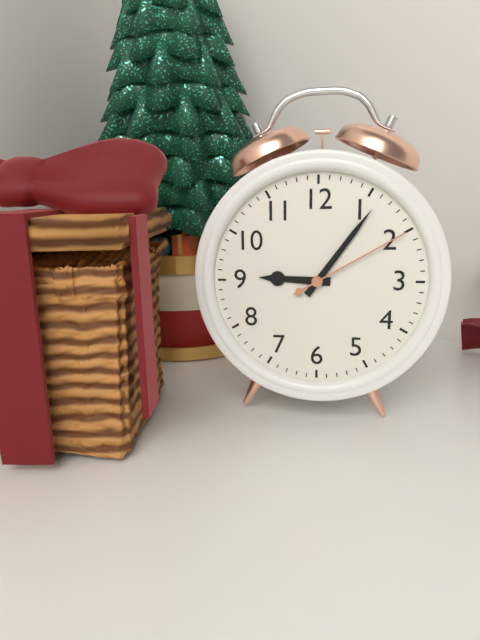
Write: {"hour": 9, "minute": 6, "second": 10}
